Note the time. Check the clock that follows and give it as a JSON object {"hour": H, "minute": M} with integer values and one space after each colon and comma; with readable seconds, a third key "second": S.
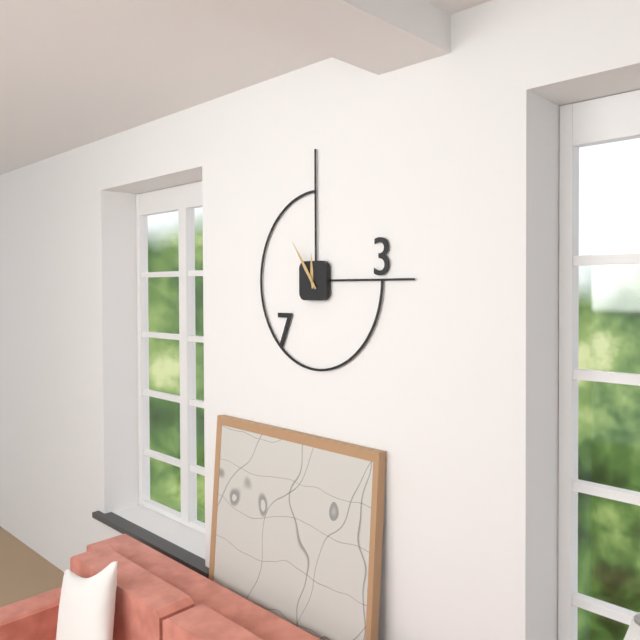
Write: {"hour": 11, "minute": 54}
